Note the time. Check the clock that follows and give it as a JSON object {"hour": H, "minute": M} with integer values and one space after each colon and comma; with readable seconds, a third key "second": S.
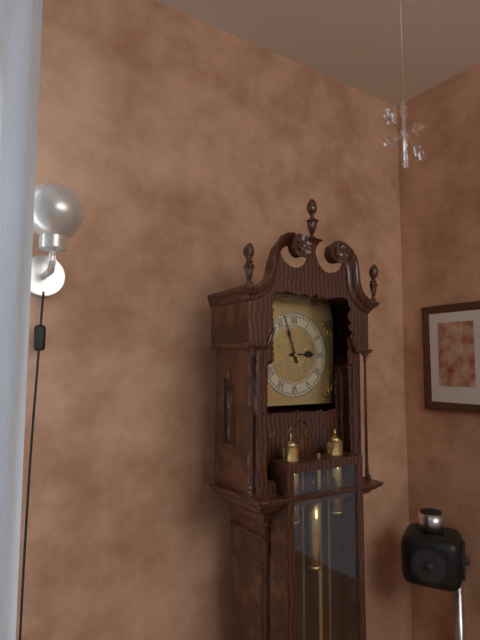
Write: {"hour": 2, "minute": 57}
